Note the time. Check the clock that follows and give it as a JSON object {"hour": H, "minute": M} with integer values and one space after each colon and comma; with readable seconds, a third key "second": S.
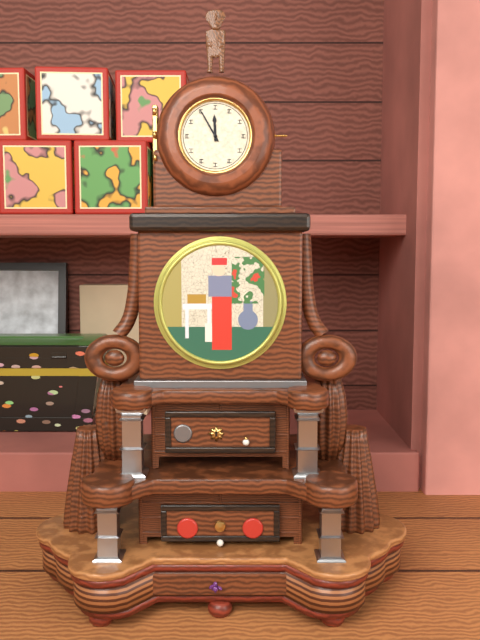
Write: {"hour": 11, "minute": 55}
